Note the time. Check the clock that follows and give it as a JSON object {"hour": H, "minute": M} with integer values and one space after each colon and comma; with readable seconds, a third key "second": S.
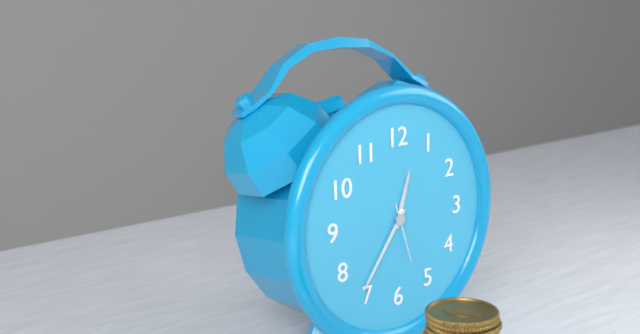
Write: {"hour": 12, "minute": 36, "second": 27}
